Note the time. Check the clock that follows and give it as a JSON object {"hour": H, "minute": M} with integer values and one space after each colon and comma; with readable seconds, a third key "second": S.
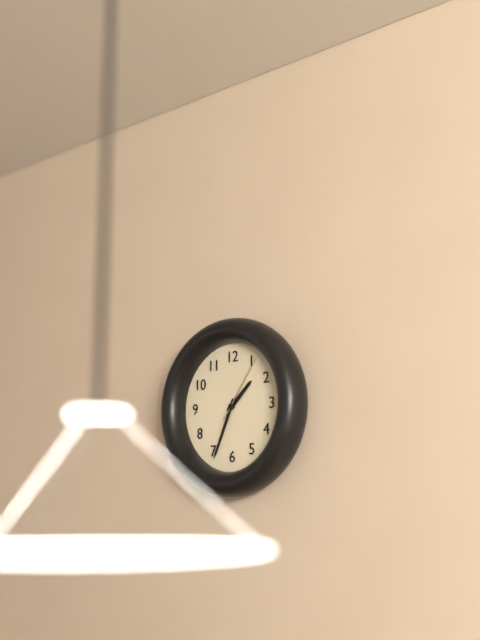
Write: {"hour": 1, "minute": 34, "second": 6}
